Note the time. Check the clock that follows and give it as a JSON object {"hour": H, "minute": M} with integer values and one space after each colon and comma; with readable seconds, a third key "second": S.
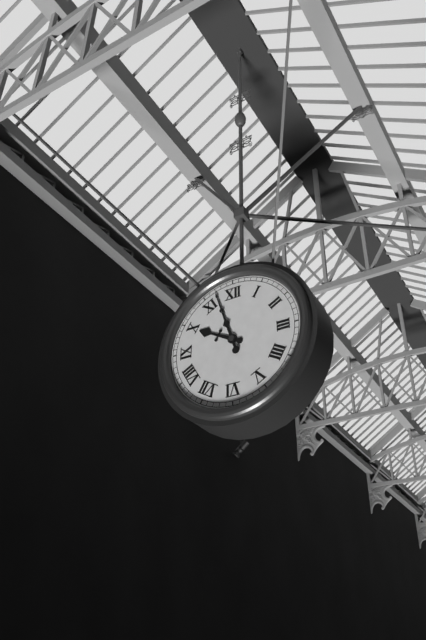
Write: {"hour": 9, "minute": 57}
